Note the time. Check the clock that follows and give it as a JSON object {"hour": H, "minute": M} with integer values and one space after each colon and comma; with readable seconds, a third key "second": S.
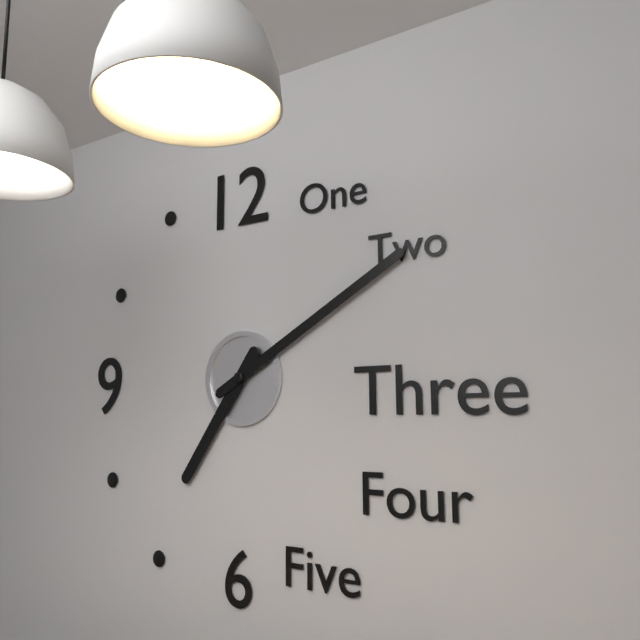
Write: {"hour": 7, "minute": 10}
